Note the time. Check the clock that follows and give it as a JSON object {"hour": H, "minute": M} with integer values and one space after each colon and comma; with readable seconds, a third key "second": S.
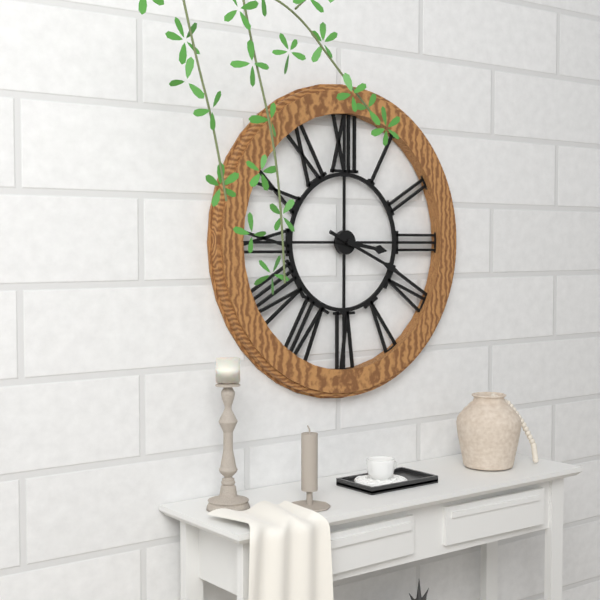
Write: {"hour": 3, "minute": 19}
